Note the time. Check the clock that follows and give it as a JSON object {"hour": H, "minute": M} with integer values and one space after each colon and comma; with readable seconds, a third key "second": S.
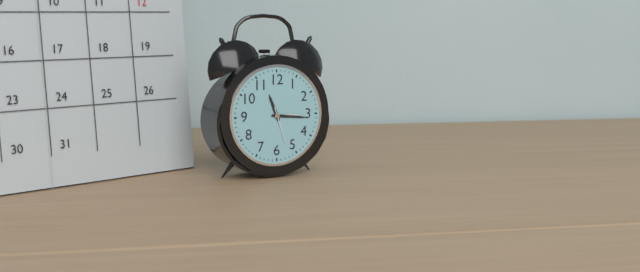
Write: {"hour": 11, "minute": 16}
